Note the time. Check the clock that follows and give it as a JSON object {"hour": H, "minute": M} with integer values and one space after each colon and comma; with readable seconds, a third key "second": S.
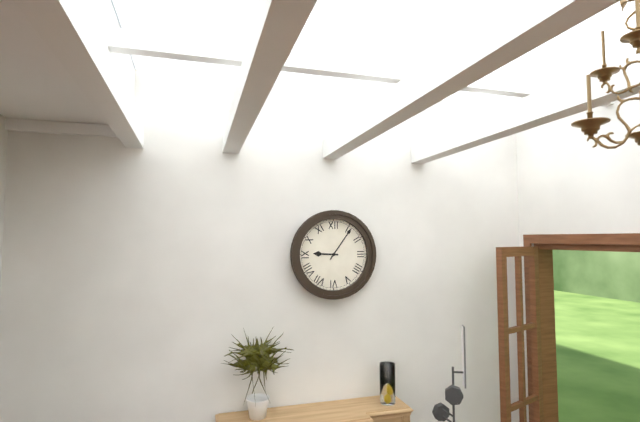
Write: {"hour": 9, "minute": 6}
